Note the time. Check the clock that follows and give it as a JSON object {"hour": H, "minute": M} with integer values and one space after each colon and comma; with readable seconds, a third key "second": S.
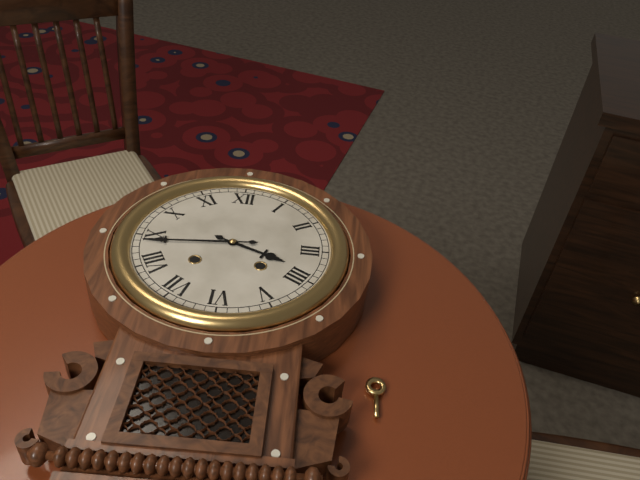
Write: {"hour": 3, "minute": 44}
